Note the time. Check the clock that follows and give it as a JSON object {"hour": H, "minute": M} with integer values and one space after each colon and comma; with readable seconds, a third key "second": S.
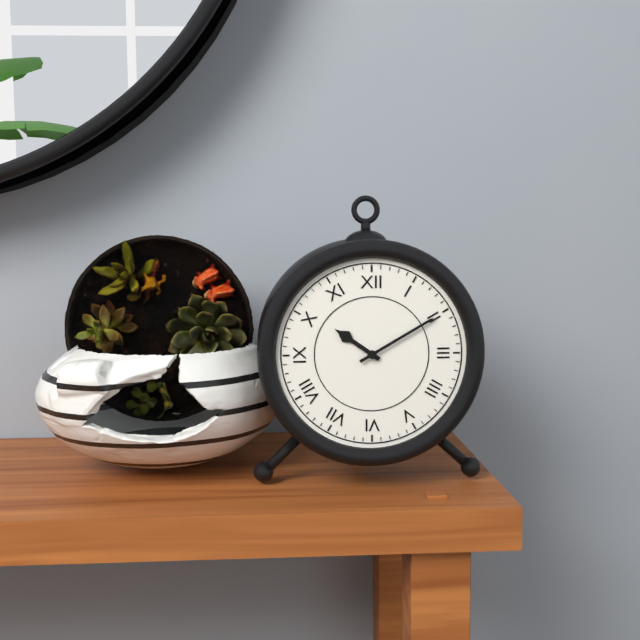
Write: {"hour": 10, "minute": 10}
